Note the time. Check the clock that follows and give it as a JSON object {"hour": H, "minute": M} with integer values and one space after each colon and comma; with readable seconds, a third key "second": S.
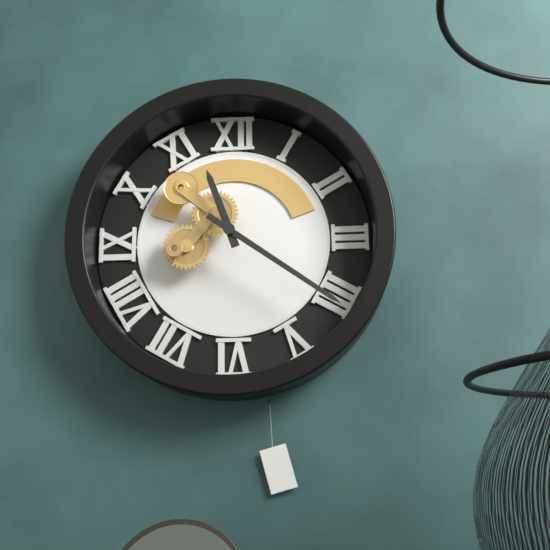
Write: {"hour": 11, "minute": 21}
